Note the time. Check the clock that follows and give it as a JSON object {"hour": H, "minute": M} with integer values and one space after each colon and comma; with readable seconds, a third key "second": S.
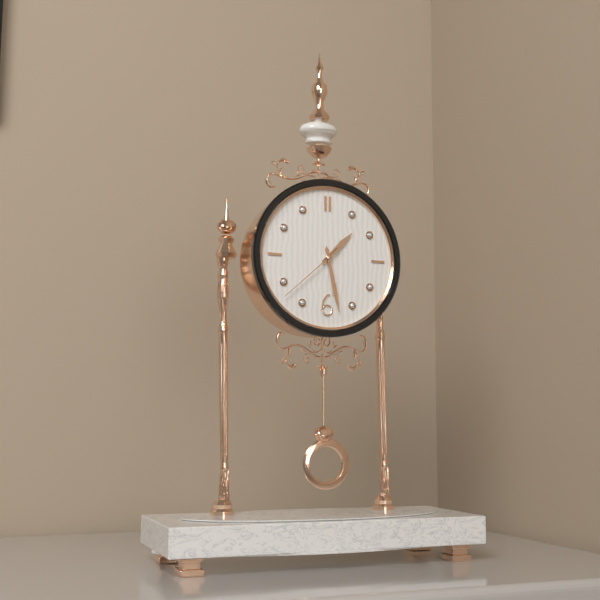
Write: {"hour": 1, "minute": 28, "second": 38}
